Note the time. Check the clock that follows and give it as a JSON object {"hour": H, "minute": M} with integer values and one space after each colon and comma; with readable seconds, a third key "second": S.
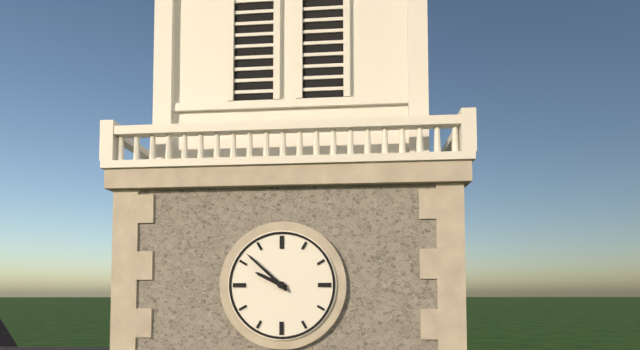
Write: {"hour": 9, "minute": 52}
